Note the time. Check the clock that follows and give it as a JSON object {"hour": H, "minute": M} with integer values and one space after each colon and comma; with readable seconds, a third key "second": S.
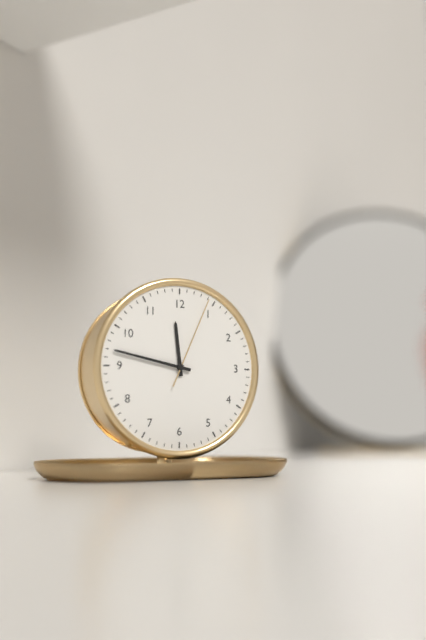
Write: {"hour": 11, "minute": 47, "second": 4}
